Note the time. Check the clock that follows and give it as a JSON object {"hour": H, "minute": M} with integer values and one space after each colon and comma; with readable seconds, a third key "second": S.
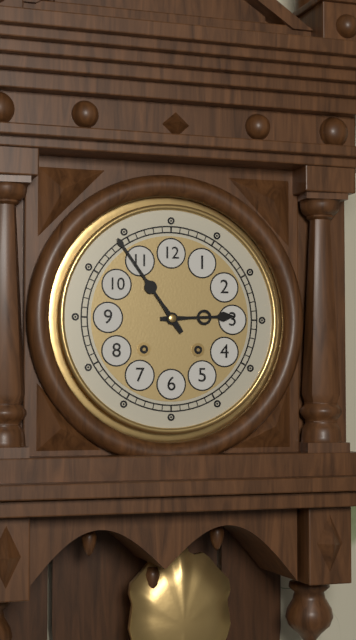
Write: {"hour": 2, "minute": 54}
